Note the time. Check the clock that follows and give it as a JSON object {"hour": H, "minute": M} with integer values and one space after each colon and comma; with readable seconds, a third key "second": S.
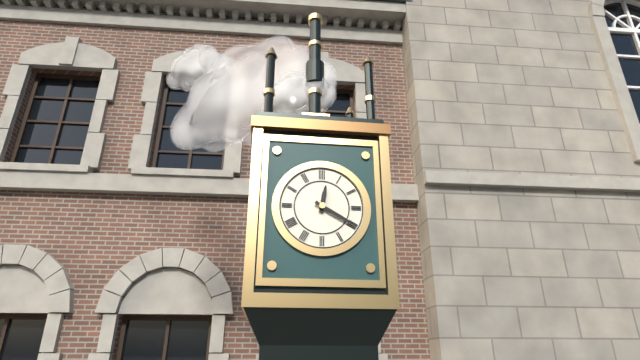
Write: {"hour": 12, "minute": 20}
